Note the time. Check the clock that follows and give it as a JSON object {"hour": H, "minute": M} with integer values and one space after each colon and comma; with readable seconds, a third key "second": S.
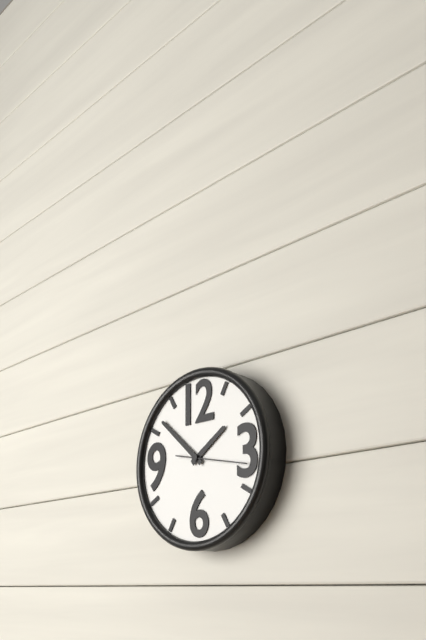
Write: {"hour": 1, "minute": 52, "second": 17}
